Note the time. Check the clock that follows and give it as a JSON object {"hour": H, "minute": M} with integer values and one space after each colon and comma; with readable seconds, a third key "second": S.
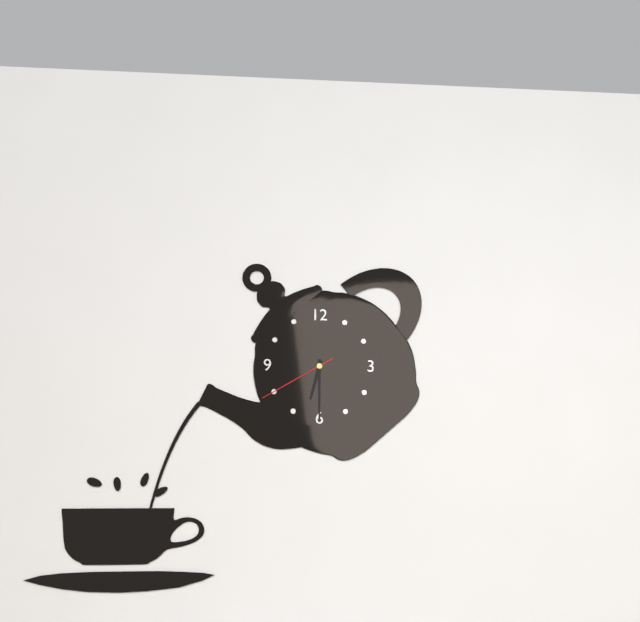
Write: {"hour": 6, "minute": 30, "second": 40}
